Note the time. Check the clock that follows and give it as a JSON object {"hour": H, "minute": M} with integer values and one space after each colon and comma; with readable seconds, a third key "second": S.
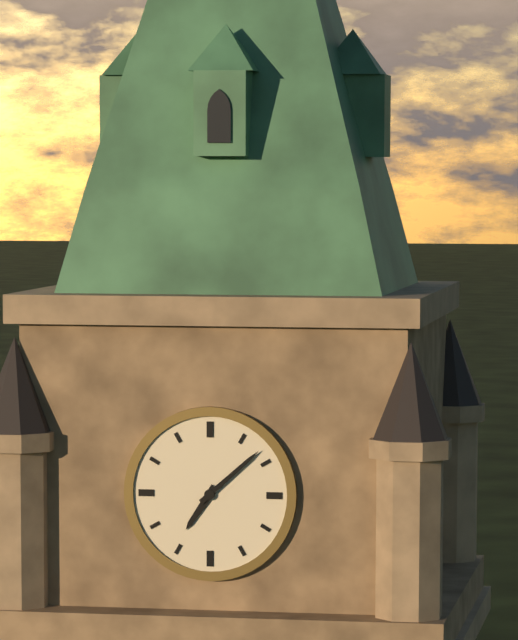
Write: {"hour": 7, "minute": 8}
